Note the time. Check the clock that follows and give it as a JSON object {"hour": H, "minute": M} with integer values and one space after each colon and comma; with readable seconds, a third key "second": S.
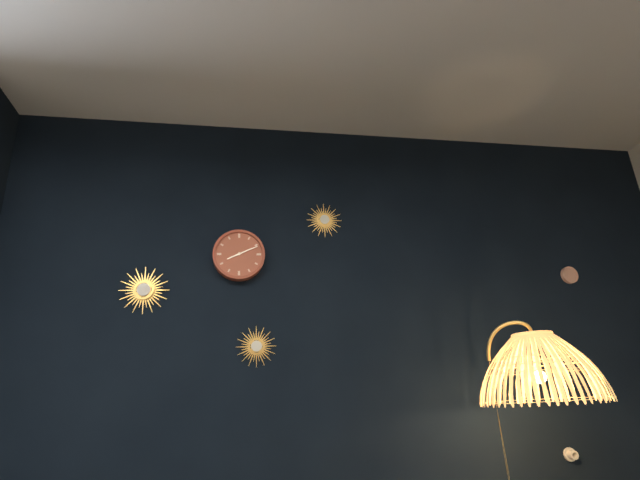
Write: {"hour": 8, "minute": 11}
